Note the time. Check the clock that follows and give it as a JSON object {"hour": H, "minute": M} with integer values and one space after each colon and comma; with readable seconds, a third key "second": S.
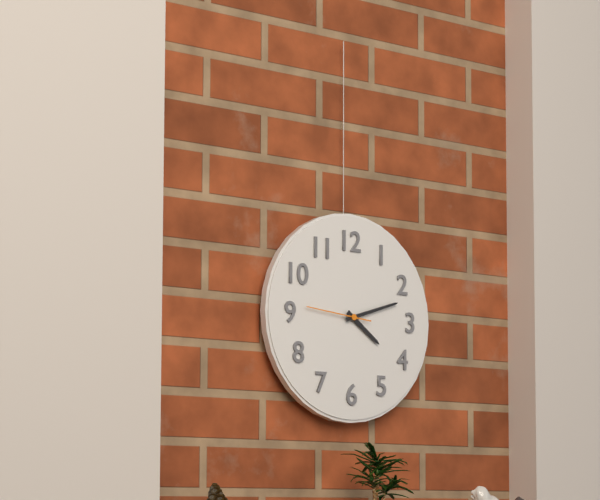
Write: {"hour": 4, "minute": 12, "second": 46}
